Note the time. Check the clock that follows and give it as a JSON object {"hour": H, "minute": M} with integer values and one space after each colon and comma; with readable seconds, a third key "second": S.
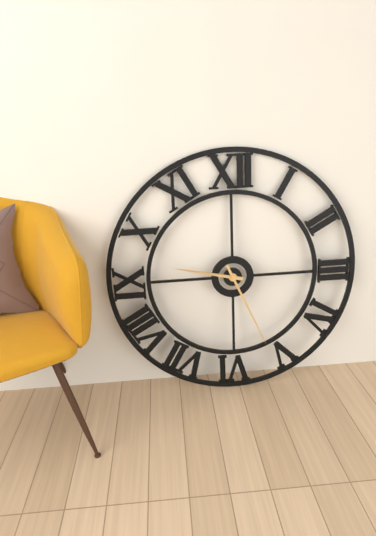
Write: {"hour": 9, "minute": 26}
